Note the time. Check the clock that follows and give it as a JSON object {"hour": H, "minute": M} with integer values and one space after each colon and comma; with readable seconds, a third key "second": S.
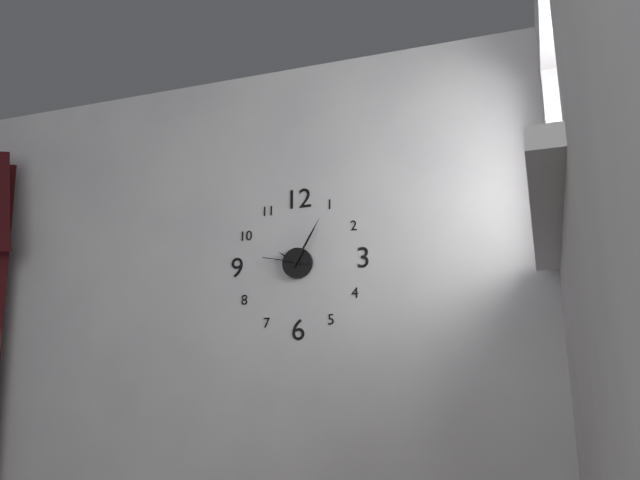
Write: {"hour": 10, "minute": 5}
